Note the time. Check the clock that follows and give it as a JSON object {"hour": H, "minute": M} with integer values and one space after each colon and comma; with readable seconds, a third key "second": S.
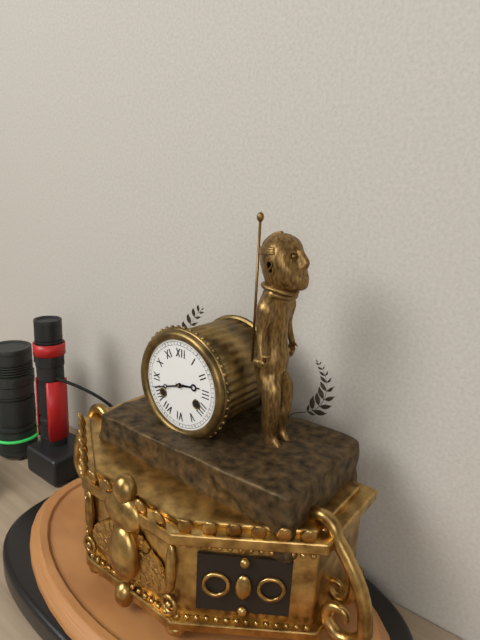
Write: {"hour": 2, "minute": 42}
